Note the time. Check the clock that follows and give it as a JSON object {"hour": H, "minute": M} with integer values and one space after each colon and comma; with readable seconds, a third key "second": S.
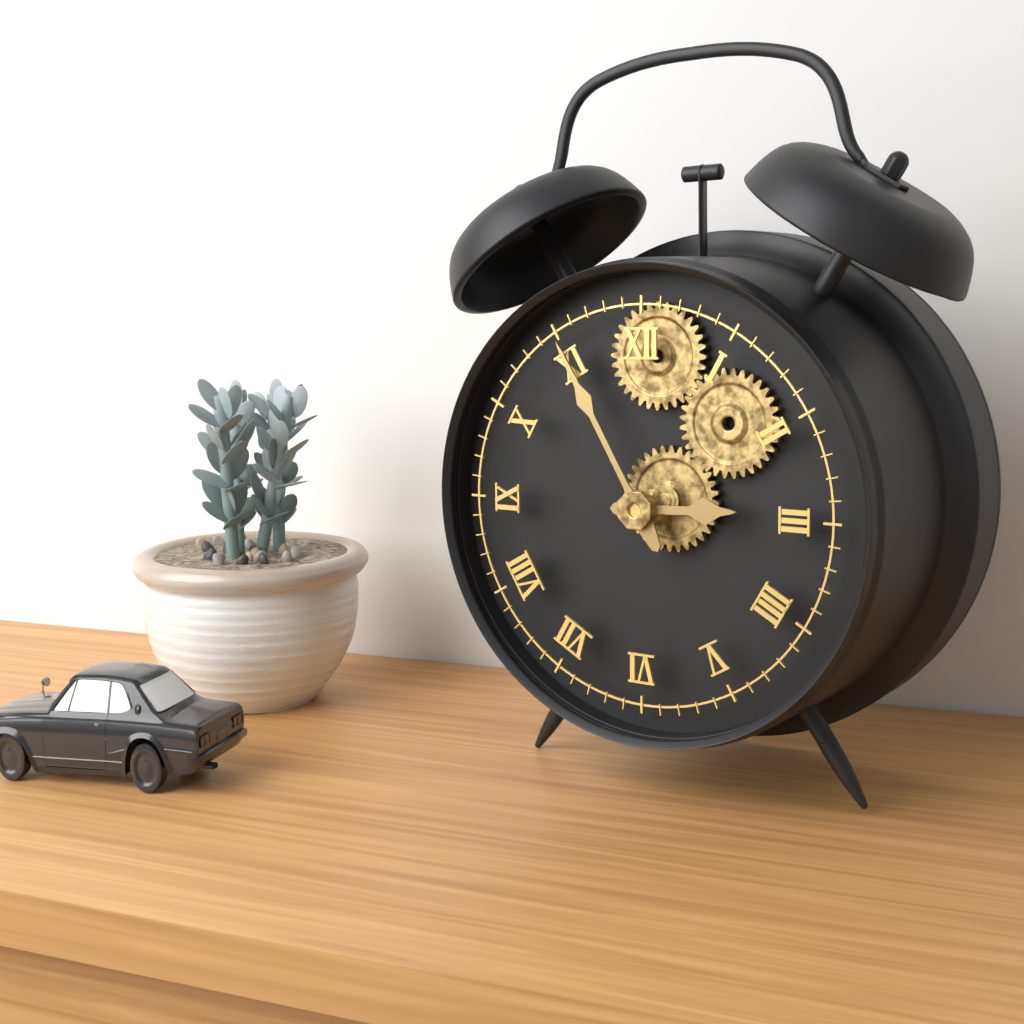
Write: {"hour": 2, "minute": 55}
